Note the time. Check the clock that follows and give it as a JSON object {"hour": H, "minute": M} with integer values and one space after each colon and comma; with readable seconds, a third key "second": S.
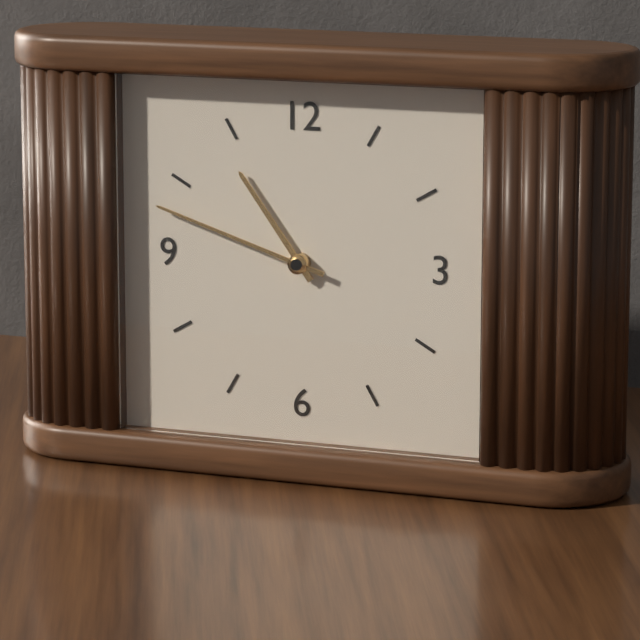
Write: {"hour": 10, "minute": 48}
